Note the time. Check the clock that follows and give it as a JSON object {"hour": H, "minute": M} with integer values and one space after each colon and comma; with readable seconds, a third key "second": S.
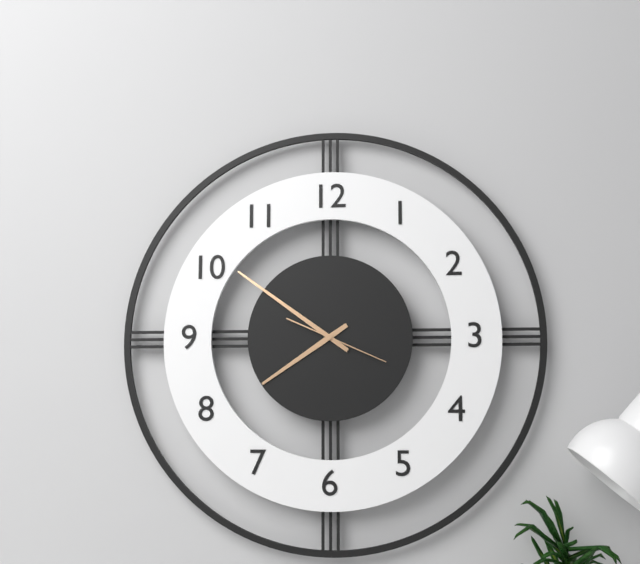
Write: {"hour": 7, "minute": 51, "second": 19}
